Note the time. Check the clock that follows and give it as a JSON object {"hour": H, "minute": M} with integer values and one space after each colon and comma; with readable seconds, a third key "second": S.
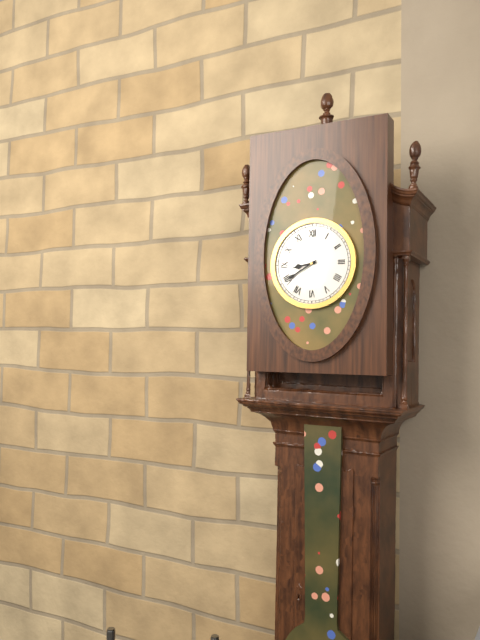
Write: {"hour": 8, "minute": 40}
